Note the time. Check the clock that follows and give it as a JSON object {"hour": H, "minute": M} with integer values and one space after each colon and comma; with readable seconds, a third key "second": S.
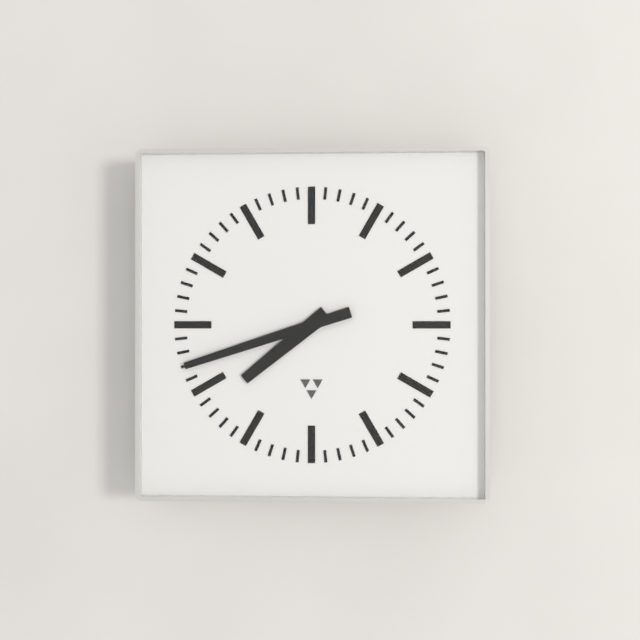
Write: {"hour": 7, "minute": 42}
